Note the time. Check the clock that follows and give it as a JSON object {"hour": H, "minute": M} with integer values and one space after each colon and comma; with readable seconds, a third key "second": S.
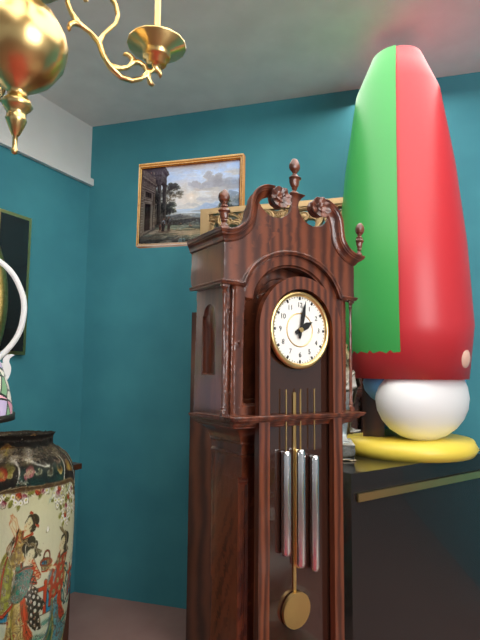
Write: {"hour": 2, "minute": 2}
